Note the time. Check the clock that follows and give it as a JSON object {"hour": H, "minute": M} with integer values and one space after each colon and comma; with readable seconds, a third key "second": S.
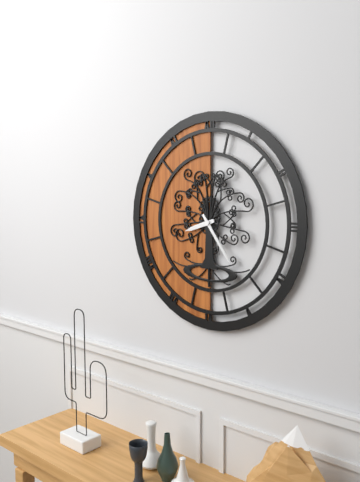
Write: {"hour": 8, "minute": 24}
